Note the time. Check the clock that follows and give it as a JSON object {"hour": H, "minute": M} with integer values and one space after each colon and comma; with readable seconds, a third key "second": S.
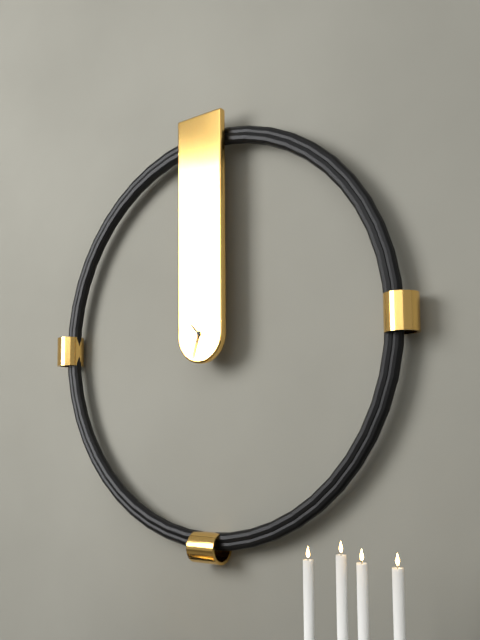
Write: {"hour": 10, "minute": 33}
